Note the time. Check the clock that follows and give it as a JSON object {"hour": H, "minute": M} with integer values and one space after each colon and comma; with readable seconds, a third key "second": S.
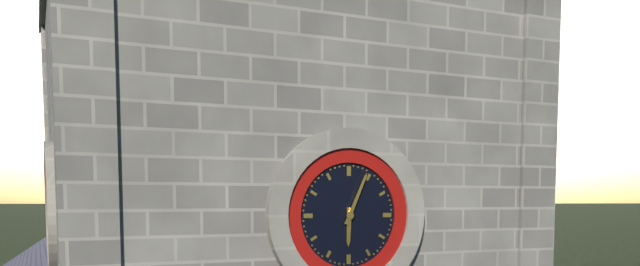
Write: {"hour": 6, "minute": 4}
